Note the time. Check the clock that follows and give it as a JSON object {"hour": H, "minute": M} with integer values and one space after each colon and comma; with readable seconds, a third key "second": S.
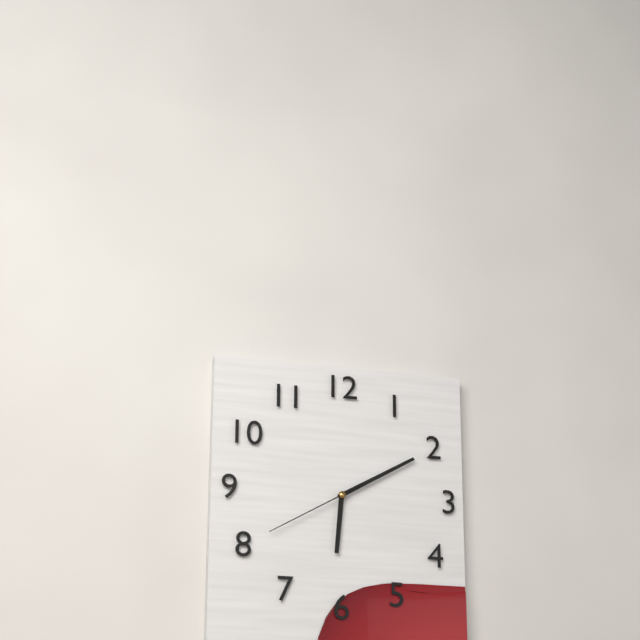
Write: {"hour": 6, "minute": 10, "second": 40}
